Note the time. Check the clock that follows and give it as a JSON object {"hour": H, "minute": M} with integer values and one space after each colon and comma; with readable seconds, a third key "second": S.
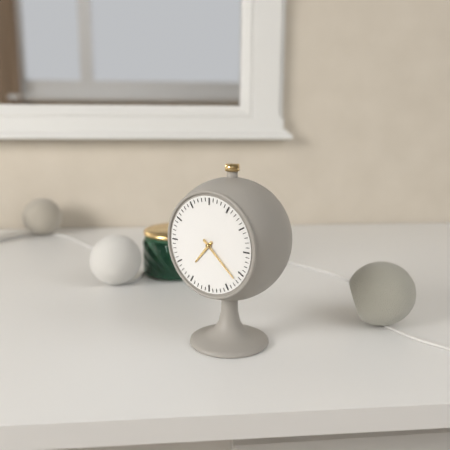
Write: {"hour": 7, "minute": 22}
